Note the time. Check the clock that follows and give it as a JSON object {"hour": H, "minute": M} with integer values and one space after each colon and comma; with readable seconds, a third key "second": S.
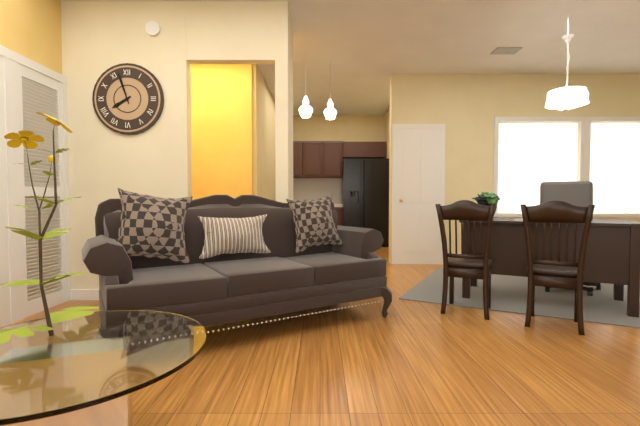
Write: {"hour": 7, "minute": 57}
